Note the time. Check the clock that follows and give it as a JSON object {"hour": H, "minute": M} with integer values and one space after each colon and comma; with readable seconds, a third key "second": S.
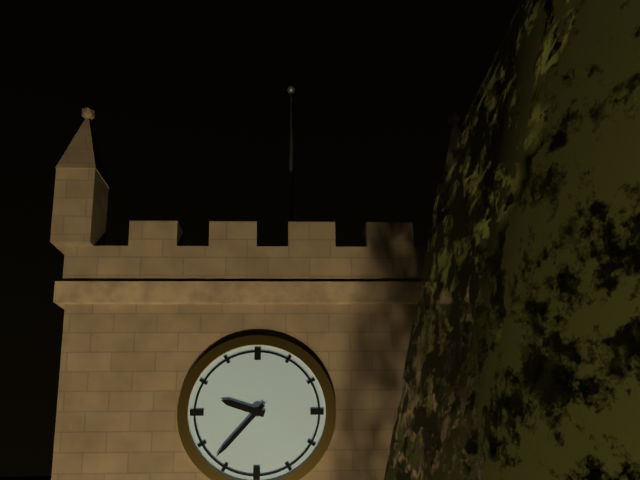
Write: {"hour": 9, "minute": 37}
